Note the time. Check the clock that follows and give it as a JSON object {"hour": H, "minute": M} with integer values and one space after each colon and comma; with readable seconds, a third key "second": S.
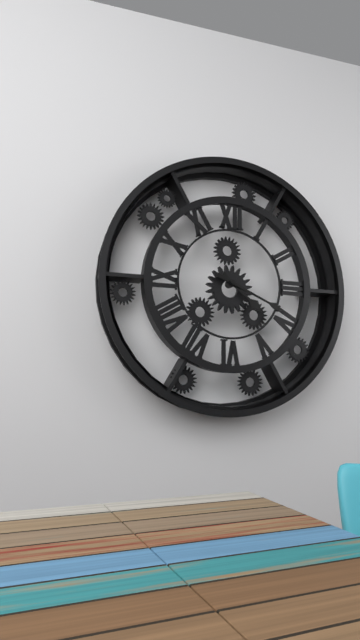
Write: {"hour": 4, "minute": 19}
